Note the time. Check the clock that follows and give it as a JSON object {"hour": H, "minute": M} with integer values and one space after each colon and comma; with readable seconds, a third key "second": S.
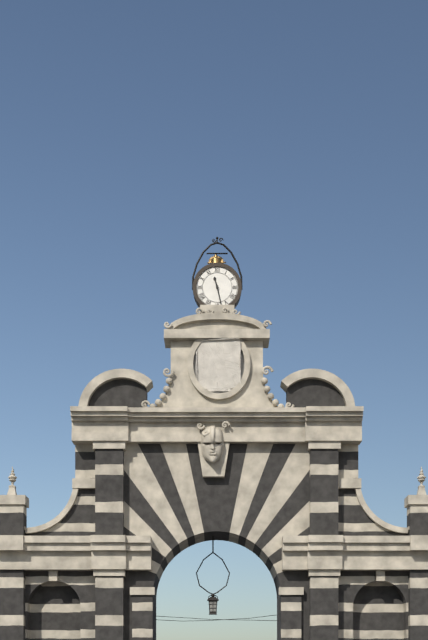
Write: {"hour": 11, "minute": 28}
